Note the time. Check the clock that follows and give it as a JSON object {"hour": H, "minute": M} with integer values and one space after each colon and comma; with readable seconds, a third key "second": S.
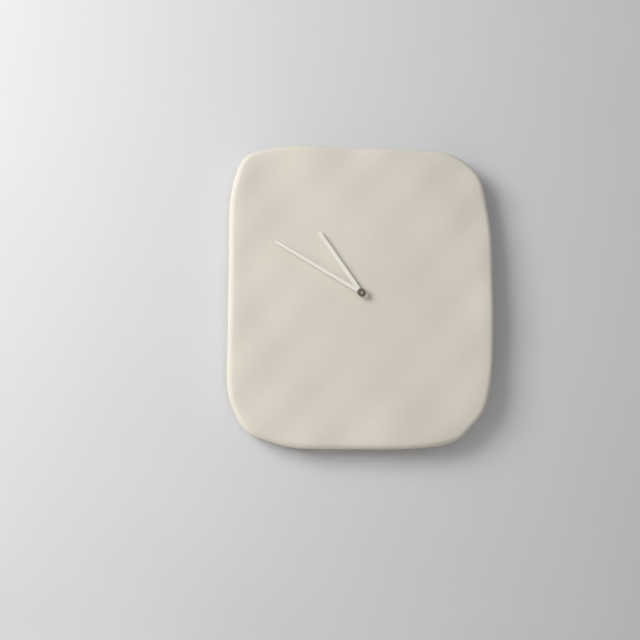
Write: {"hour": 10, "minute": 50}
